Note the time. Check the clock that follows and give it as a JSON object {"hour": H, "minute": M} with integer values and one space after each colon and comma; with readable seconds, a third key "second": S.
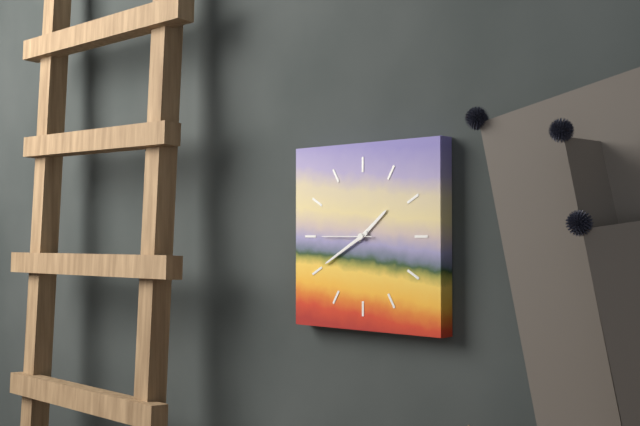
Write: {"hour": 1, "minute": 40, "second": 45}
